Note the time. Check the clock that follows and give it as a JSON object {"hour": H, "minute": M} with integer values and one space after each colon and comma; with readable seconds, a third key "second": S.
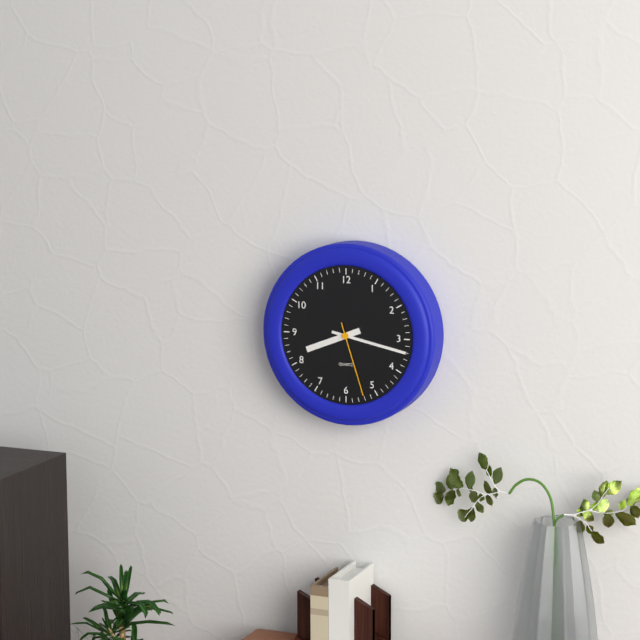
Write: {"hour": 8, "minute": 17, "second": 27}
